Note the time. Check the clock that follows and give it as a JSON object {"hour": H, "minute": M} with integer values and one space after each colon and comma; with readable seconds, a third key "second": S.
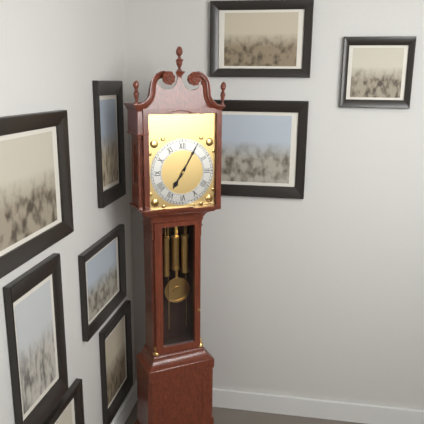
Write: {"hour": 7, "minute": 5}
